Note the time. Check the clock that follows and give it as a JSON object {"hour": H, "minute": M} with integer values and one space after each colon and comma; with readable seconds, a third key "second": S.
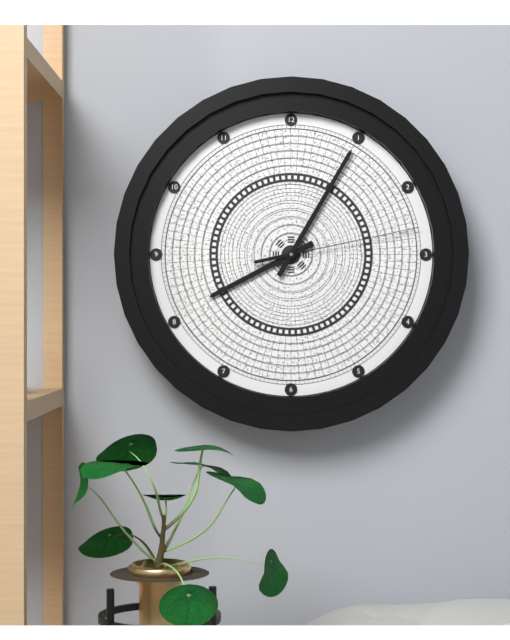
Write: {"hour": 8, "minute": 5, "second": 13}
